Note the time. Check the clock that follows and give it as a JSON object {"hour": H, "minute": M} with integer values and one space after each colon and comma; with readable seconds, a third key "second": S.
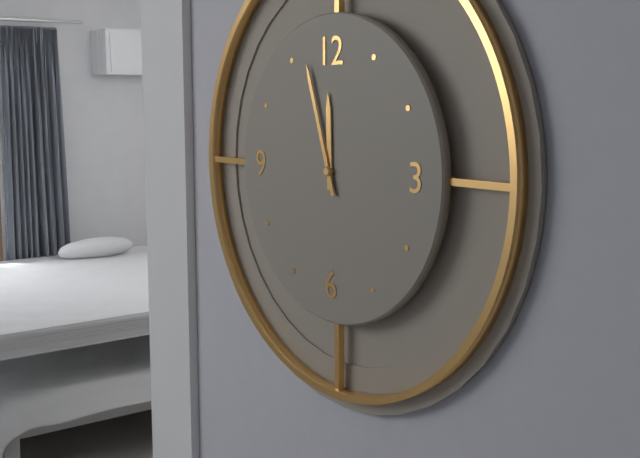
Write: {"hour": 11, "minute": 57}
